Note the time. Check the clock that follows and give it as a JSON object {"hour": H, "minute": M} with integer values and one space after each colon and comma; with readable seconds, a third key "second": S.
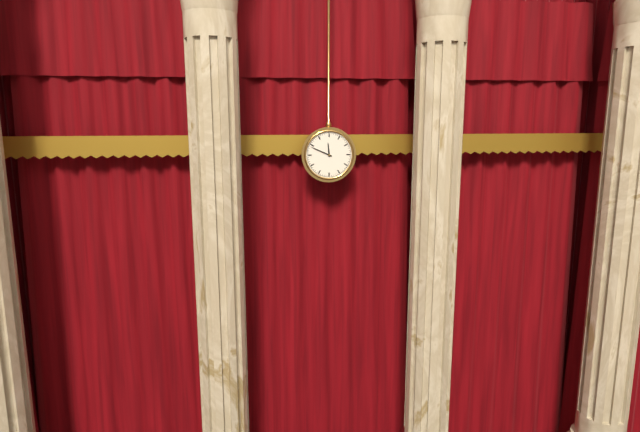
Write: {"hour": 11, "minute": 49}
